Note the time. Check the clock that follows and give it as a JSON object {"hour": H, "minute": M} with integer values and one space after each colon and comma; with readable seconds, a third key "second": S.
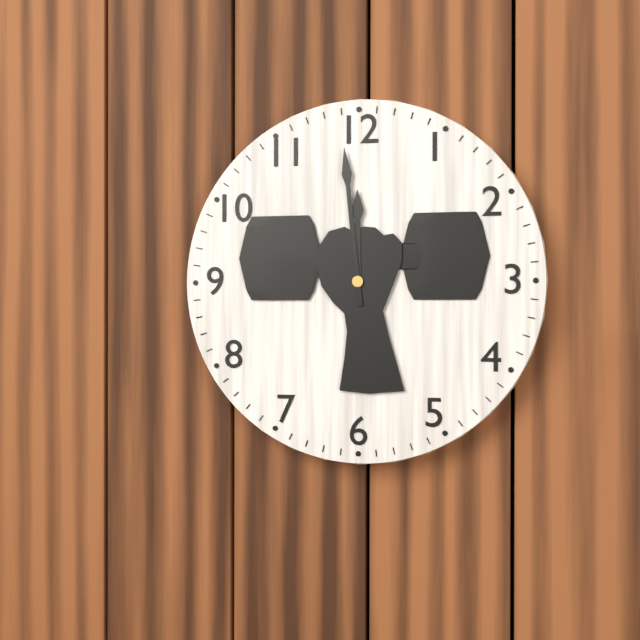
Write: {"hour": 11, "minute": 59}
